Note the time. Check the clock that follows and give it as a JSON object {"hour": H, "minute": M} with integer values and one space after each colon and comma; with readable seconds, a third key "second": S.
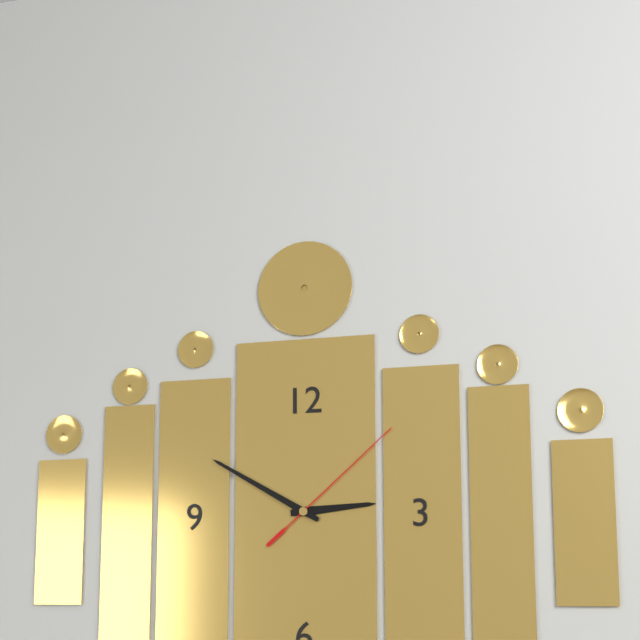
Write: {"hour": 2, "minute": 50, "second": 8}
